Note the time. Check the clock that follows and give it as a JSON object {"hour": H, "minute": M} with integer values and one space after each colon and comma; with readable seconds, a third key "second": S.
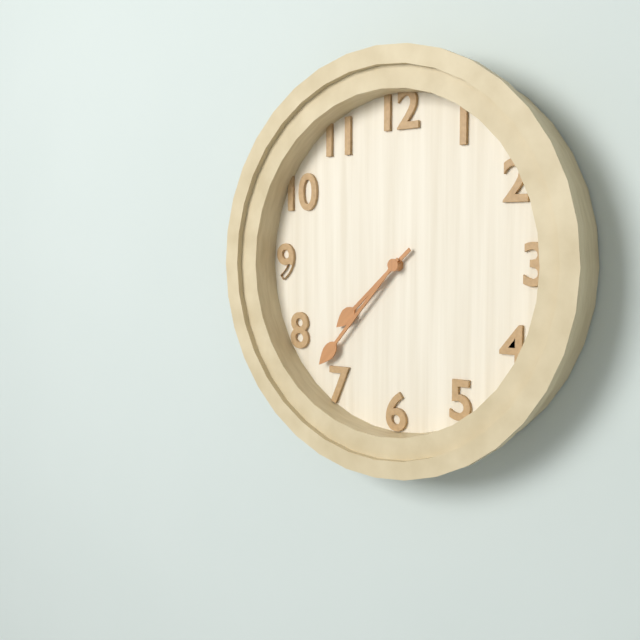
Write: {"hour": 7, "minute": 37}
